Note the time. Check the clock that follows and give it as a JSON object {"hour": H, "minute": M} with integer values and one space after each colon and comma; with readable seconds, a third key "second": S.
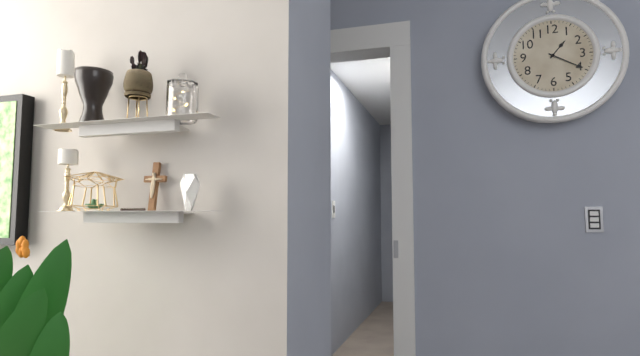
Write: {"hour": 1, "minute": 20}
